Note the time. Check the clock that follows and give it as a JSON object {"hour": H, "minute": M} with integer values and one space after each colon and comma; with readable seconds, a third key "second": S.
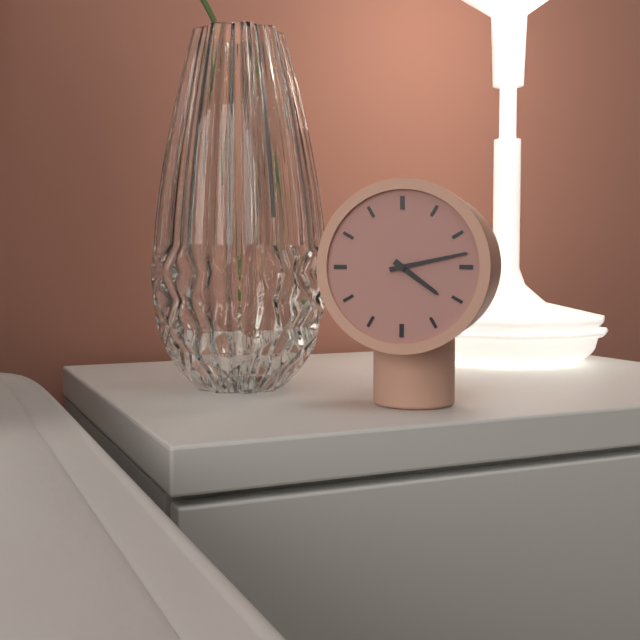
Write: {"hour": 4, "minute": 13}
